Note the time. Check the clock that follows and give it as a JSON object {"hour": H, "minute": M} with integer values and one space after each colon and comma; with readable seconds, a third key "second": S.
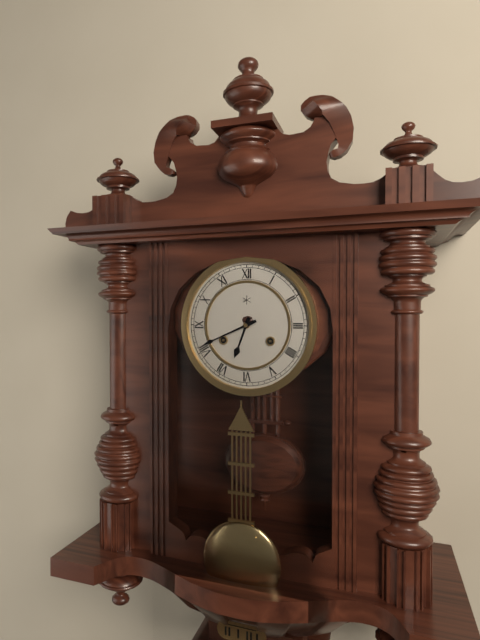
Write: {"hour": 6, "minute": 41}
